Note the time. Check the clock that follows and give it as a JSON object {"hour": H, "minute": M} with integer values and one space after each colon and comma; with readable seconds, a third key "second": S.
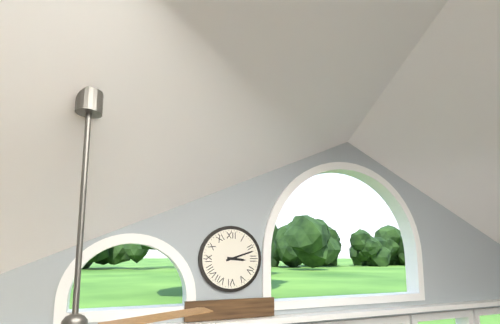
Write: {"hour": 3, "minute": 12}
